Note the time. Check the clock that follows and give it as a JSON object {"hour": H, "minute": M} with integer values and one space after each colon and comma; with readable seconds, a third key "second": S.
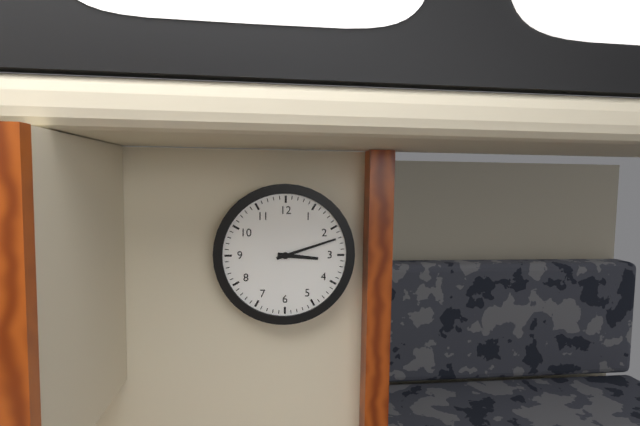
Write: {"hour": 3, "minute": 12}
